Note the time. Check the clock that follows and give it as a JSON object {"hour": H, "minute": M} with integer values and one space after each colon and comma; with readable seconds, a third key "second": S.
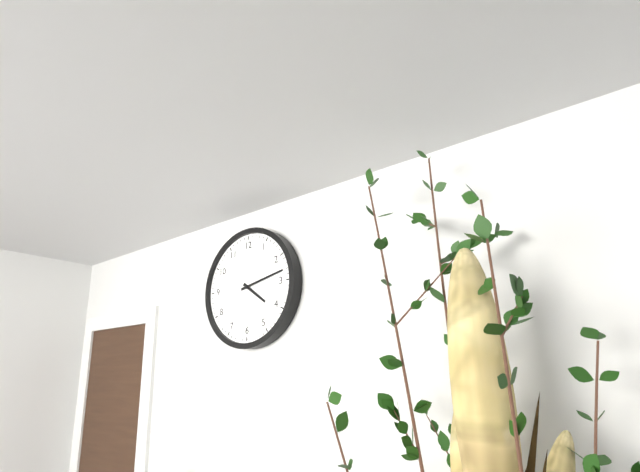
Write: {"hour": 4, "minute": 13}
